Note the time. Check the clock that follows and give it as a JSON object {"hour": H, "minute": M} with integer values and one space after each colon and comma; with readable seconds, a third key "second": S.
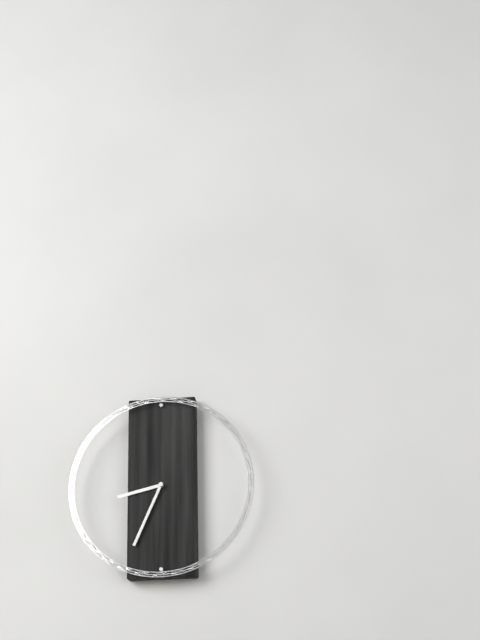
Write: {"hour": 8, "minute": 34}
